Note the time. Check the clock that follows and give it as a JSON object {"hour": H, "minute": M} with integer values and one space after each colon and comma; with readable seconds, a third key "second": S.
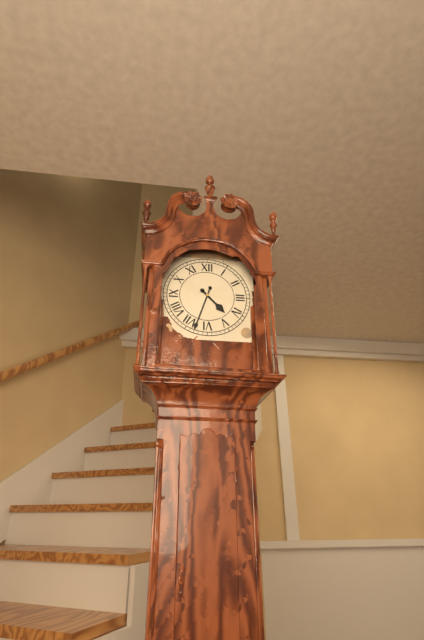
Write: {"hour": 4, "minute": 33}
